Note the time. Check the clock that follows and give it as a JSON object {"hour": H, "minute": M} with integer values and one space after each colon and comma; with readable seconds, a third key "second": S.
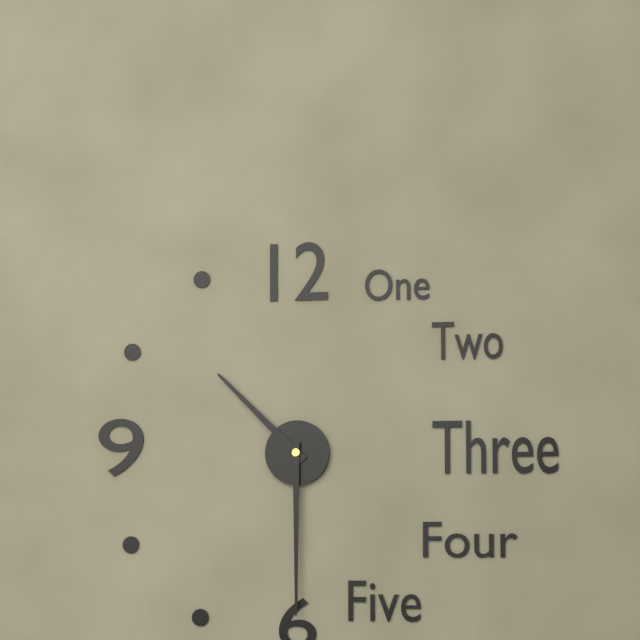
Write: {"hour": 10, "minute": 30}
